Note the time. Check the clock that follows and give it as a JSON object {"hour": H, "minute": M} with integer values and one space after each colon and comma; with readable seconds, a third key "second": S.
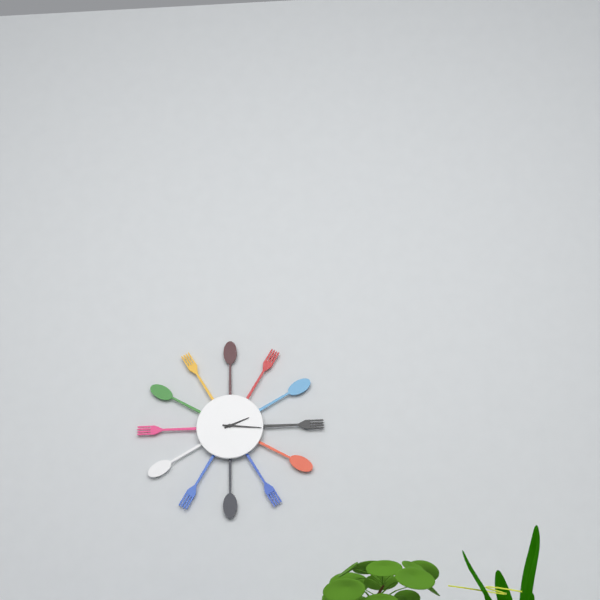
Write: {"hour": 2, "minute": 16}
